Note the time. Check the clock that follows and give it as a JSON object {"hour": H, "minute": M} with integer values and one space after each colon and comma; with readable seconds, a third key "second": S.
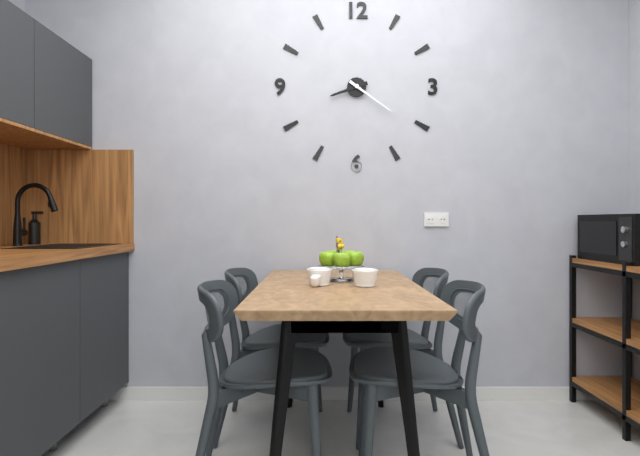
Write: {"hour": 8, "minute": 21}
